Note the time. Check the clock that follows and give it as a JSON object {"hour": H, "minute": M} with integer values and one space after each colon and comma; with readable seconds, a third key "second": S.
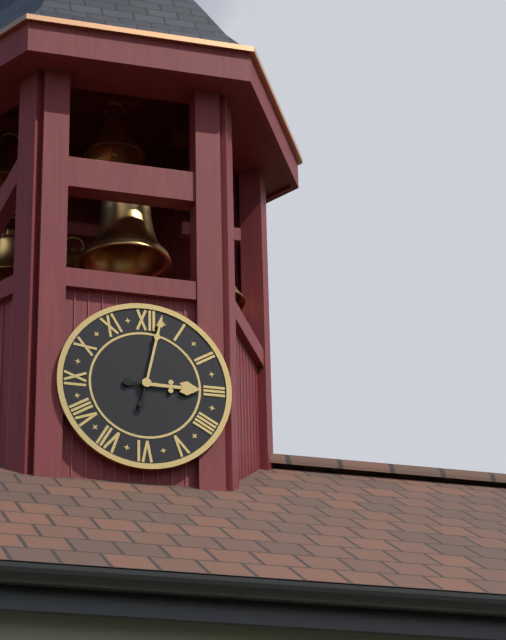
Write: {"hour": 3, "minute": 2}
